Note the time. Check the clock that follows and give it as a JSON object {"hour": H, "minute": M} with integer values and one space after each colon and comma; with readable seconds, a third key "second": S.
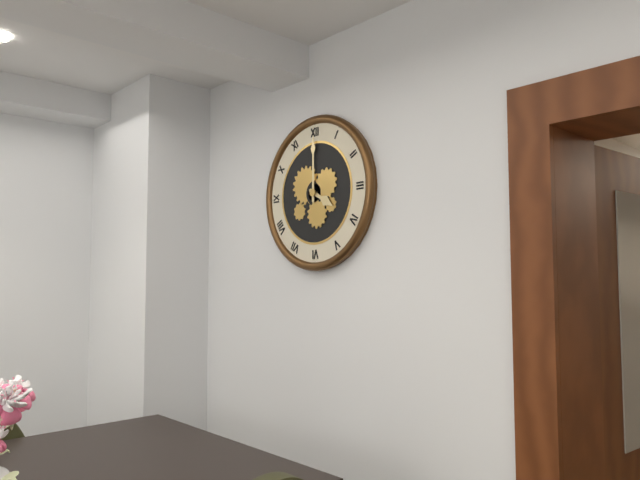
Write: {"hour": 4, "minute": 0}
